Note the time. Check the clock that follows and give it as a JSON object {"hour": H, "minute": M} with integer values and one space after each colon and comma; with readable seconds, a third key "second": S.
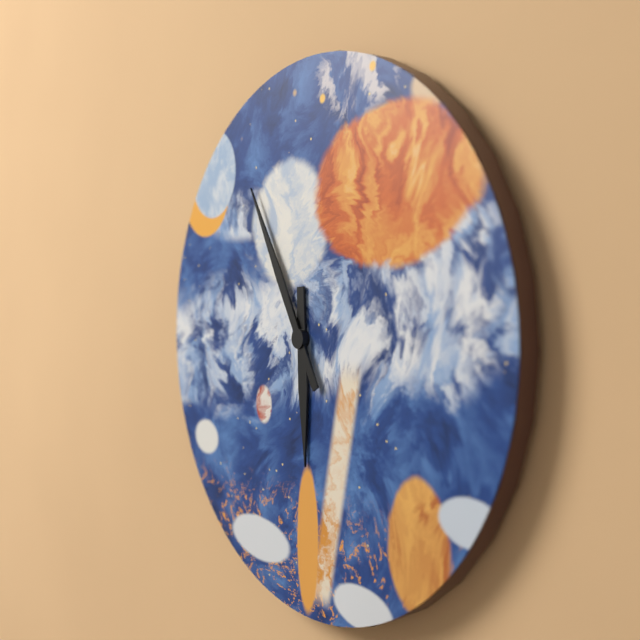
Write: {"hour": 5, "minute": 55}
